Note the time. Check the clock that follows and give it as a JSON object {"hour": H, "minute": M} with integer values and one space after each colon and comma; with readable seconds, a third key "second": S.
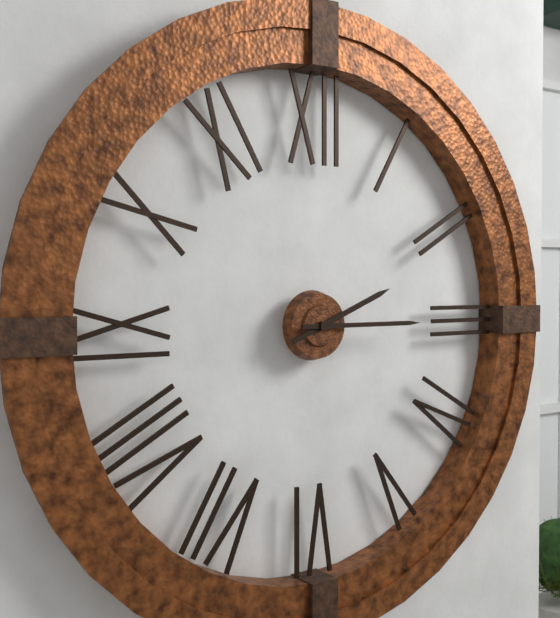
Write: {"hour": 2, "minute": 15}
